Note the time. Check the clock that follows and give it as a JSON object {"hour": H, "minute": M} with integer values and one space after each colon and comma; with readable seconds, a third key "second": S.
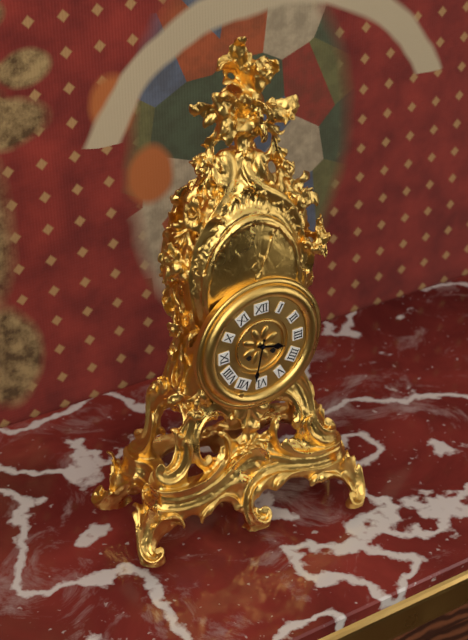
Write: {"hour": 3, "minute": 32}
